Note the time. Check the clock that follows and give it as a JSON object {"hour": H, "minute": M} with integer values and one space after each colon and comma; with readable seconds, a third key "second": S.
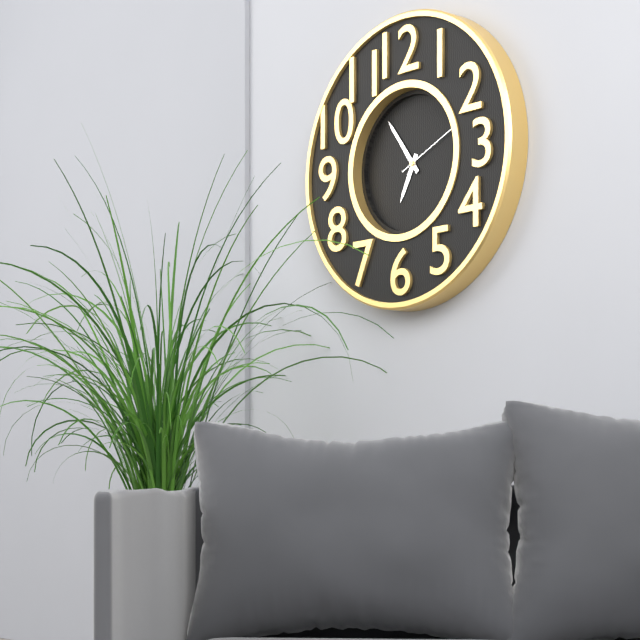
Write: {"hour": 6, "minute": 54, "second": 11}
